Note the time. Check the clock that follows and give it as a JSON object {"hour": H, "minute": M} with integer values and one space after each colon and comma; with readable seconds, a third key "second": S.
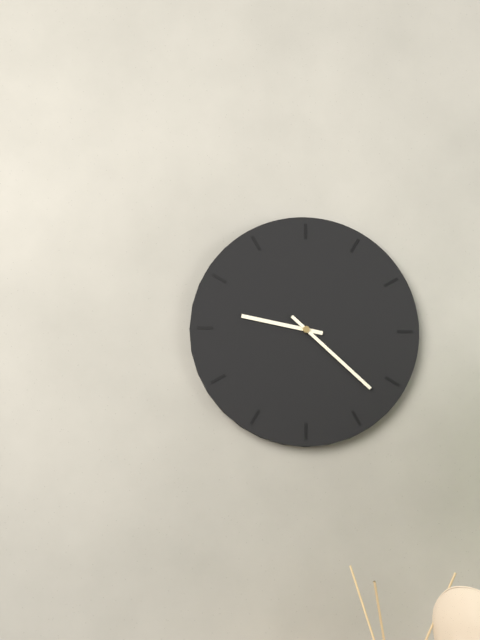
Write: {"hour": 9, "minute": 22}
